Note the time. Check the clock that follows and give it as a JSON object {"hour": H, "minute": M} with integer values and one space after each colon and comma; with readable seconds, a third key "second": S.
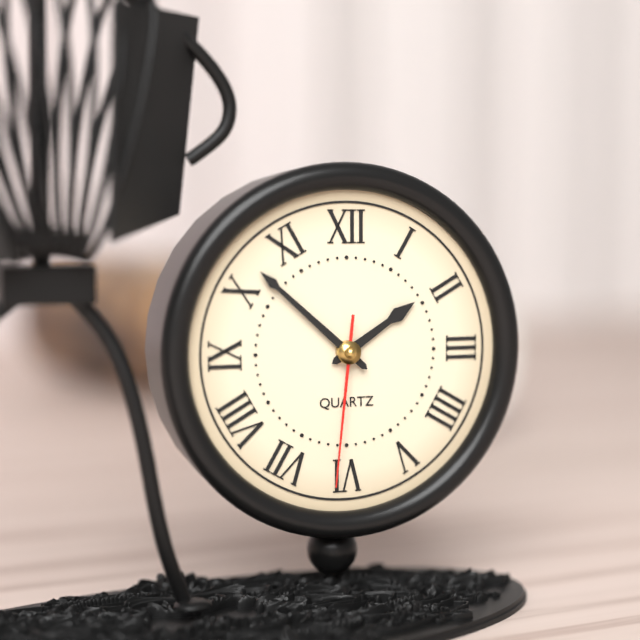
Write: {"hour": 1, "minute": 52, "second": 31}
